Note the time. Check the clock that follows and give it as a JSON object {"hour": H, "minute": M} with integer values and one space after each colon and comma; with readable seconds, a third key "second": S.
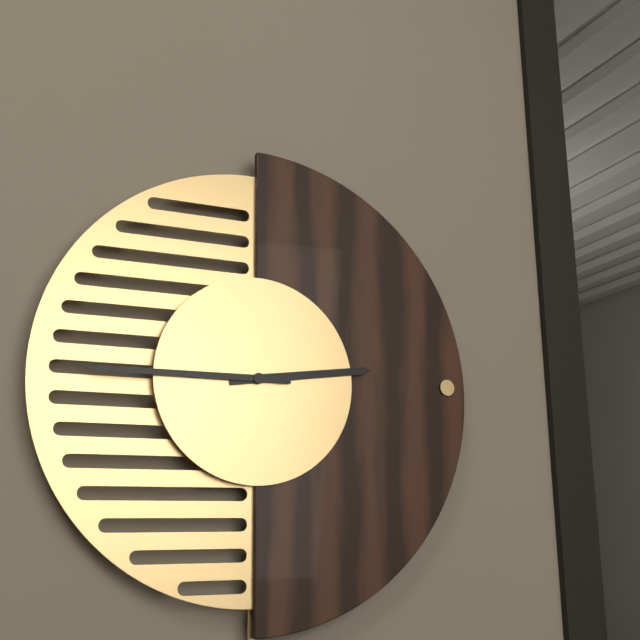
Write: {"hour": 2, "minute": 45}
